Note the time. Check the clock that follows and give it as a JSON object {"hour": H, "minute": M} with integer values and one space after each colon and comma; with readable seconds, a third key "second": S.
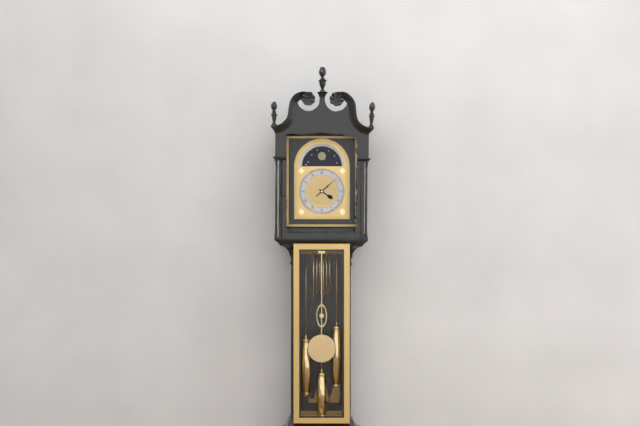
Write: {"hour": 4, "minute": 8}
